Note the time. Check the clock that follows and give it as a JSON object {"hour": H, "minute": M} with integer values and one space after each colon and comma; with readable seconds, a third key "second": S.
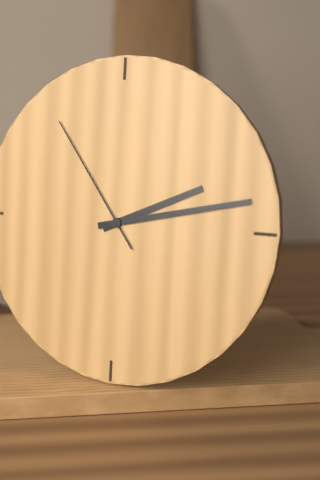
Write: {"hour": 2, "minute": 13, "second": 54}
